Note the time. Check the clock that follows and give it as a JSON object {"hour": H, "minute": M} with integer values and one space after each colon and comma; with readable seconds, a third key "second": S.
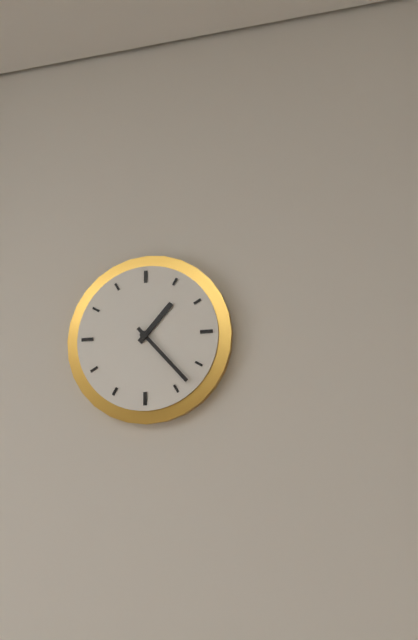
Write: {"hour": 1, "minute": 23}
